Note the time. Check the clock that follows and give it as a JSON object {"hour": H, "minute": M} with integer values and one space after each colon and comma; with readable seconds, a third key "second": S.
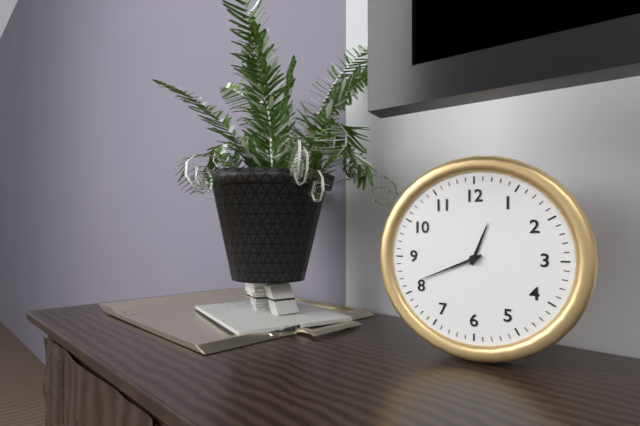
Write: {"hour": 12, "minute": 41}
